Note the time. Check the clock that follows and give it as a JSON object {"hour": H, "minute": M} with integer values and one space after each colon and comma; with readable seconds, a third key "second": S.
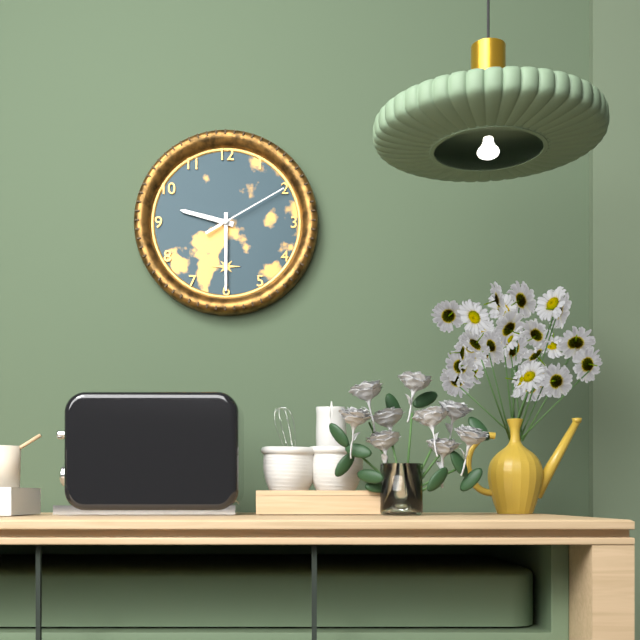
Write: {"hour": 9, "minute": 30, "second": 10}
